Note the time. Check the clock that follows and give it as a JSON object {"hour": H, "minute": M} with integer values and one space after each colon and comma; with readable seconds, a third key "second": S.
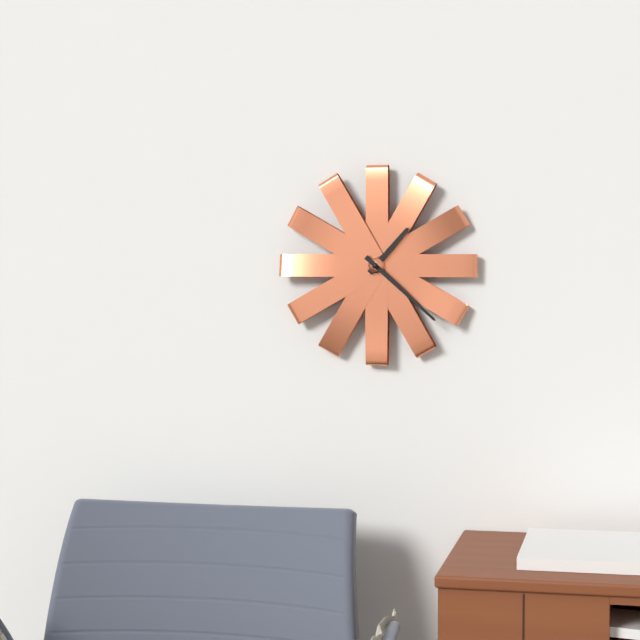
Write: {"hour": 1, "minute": 22}
